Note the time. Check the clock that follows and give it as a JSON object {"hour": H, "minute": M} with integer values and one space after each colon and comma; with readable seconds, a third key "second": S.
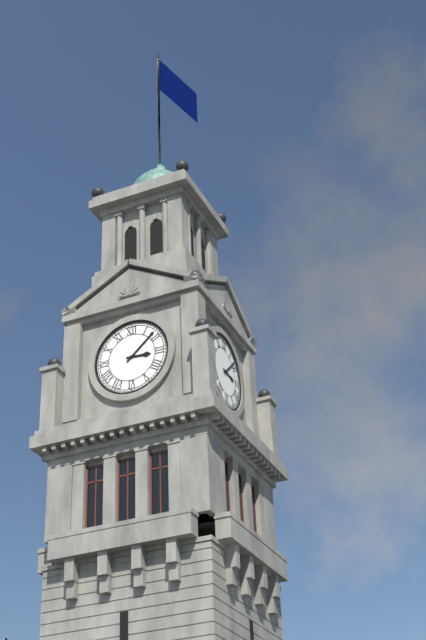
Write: {"hour": 3, "minute": 8}
